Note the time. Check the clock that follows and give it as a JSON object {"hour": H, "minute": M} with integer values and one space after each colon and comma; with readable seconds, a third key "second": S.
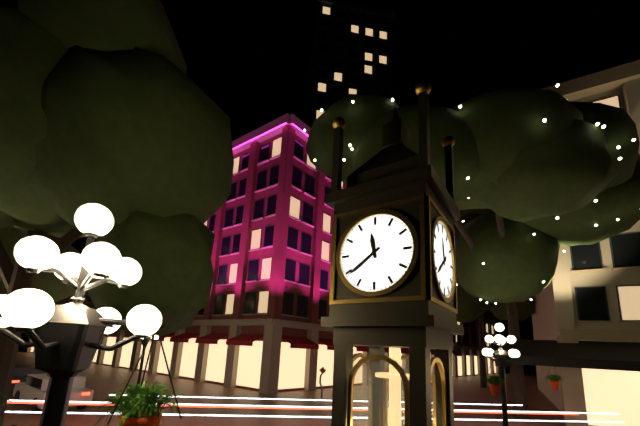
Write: {"hour": 11, "minute": 39}
